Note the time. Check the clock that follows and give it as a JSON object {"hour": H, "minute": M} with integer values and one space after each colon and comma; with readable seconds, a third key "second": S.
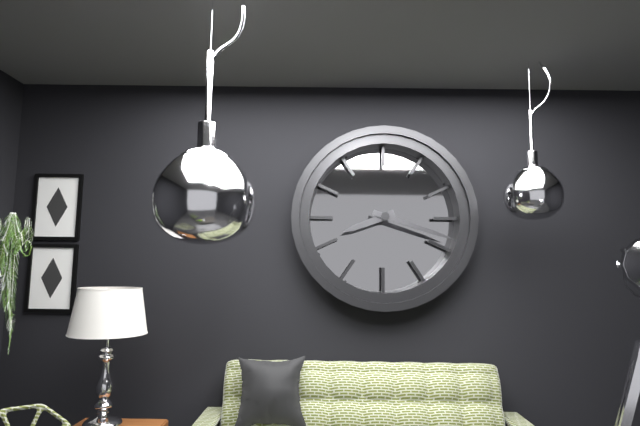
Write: {"hour": 8, "minute": 18}
